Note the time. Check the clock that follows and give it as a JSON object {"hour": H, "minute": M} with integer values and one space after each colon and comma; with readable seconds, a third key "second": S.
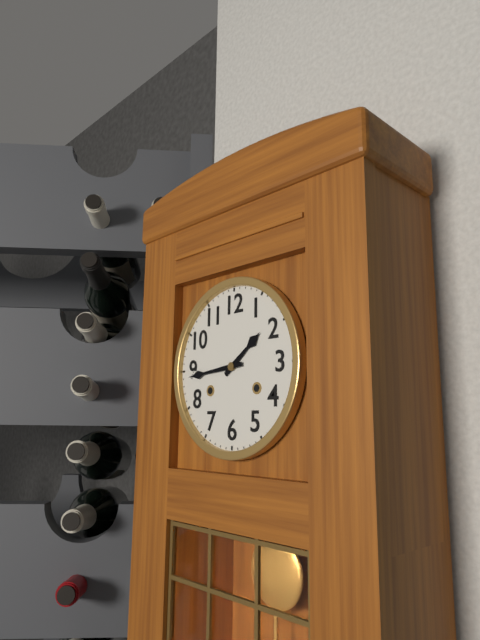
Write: {"hour": 1, "minute": 44}
